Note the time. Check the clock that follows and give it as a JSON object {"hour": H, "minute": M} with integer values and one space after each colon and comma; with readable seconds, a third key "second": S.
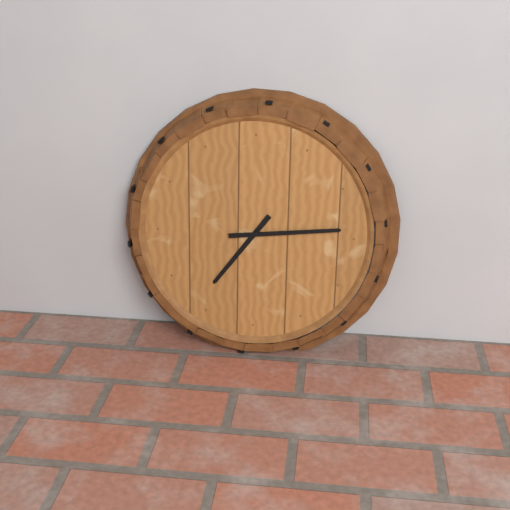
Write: {"hour": 7, "minute": 14}
